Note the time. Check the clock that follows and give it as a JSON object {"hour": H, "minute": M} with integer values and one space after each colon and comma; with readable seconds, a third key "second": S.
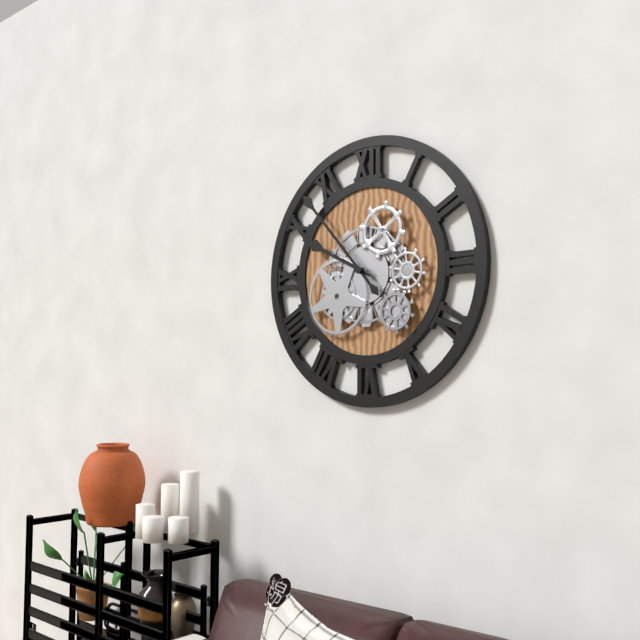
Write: {"hour": 9, "minute": 53}
